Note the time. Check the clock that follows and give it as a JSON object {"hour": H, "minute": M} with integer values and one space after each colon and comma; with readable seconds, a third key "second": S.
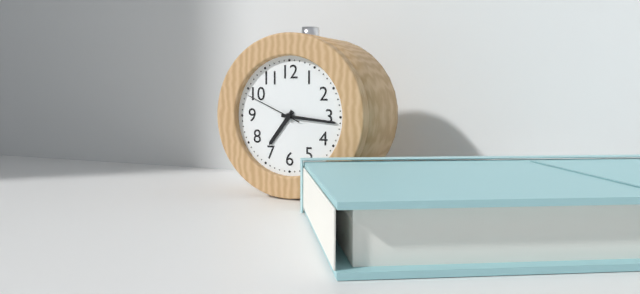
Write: {"hour": 7, "minute": 16, "second": 49}
